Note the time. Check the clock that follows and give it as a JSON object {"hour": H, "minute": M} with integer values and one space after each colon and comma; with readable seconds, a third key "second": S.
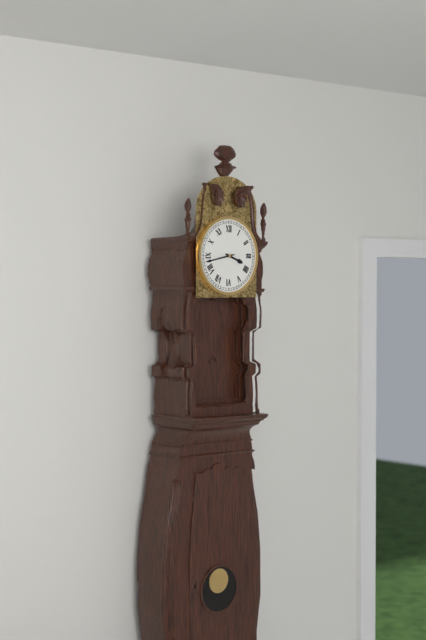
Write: {"hour": 3, "minute": 43}
